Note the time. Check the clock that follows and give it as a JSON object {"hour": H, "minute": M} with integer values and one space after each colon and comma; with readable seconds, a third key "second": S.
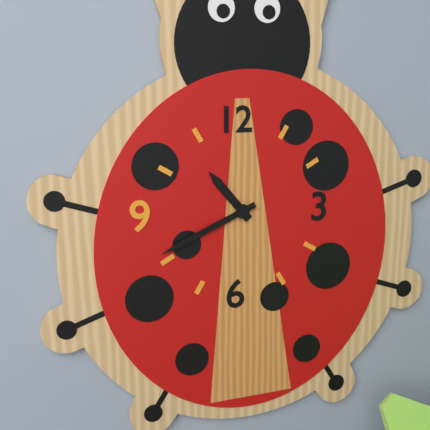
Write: {"hour": 10, "minute": 41}
